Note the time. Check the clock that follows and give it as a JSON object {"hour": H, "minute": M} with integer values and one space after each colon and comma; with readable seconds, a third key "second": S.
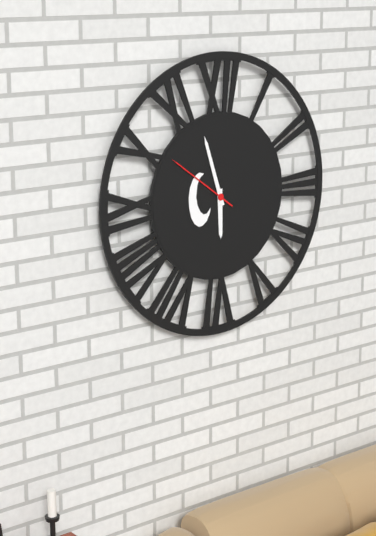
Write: {"hour": 5, "minute": 57, "second": 51}
